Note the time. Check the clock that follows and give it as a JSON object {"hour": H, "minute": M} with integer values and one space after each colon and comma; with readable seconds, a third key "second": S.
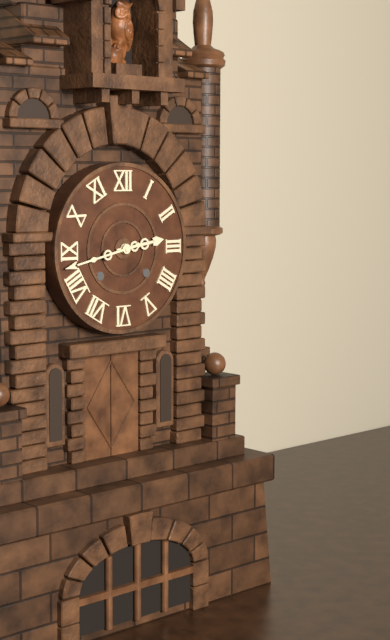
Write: {"hour": 2, "minute": 43}
